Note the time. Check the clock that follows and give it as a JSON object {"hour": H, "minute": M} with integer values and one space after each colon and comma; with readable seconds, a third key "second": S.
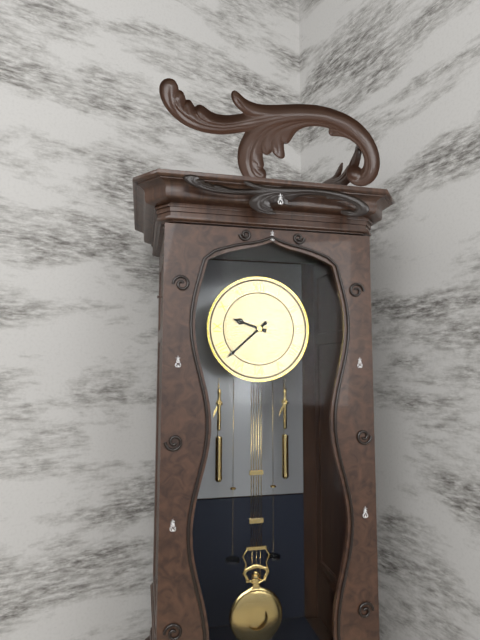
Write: {"hour": 9, "minute": 38}
